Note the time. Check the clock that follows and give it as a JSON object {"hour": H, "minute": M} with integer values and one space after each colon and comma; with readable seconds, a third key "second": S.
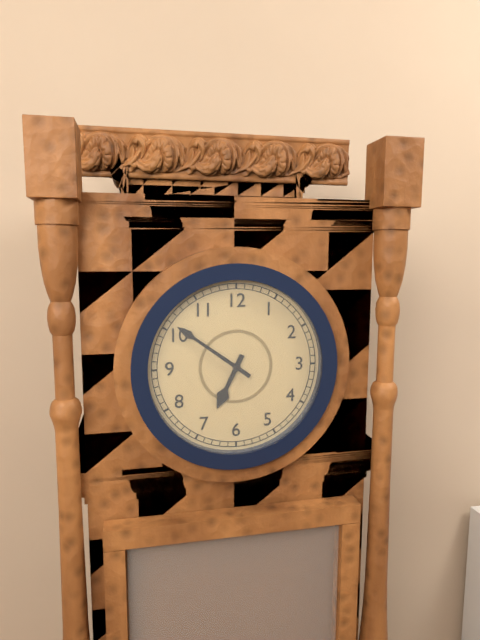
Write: {"hour": 6, "minute": 51}
